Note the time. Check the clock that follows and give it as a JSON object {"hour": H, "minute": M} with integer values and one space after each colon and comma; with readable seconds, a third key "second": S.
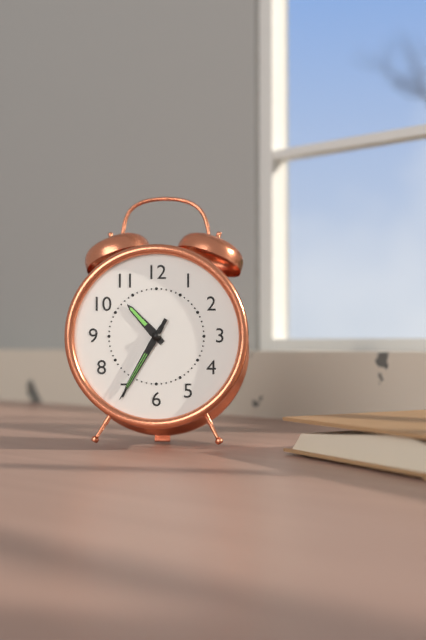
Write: {"hour": 10, "minute": 35, "second": 35}
